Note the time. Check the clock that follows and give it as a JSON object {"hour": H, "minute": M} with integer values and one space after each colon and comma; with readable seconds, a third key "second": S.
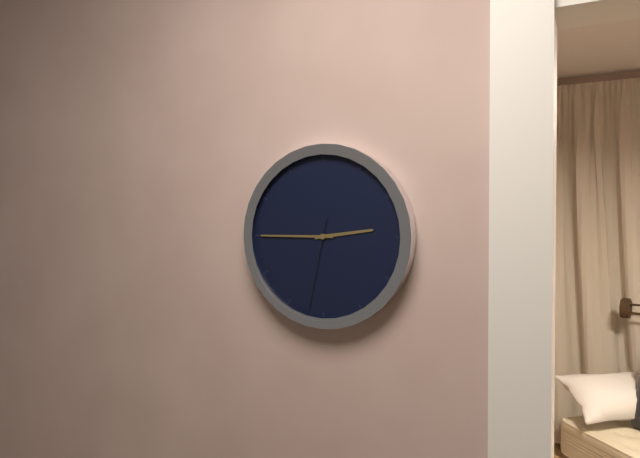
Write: {"hour": 2, "minute": 45, "second": 32}
